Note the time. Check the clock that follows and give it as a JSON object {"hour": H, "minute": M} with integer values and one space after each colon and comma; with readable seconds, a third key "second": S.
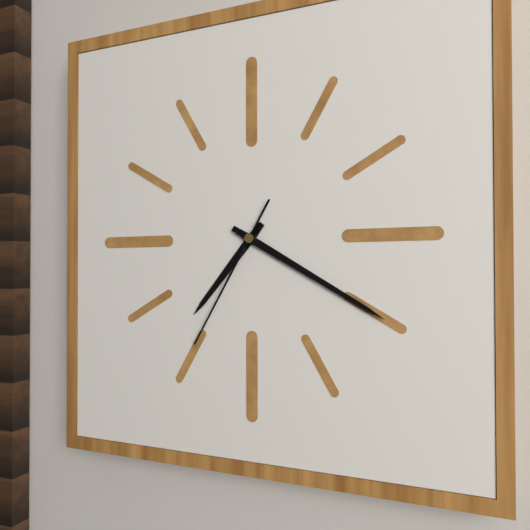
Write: {"hour": 7, "minute": 20, "second": 35}
